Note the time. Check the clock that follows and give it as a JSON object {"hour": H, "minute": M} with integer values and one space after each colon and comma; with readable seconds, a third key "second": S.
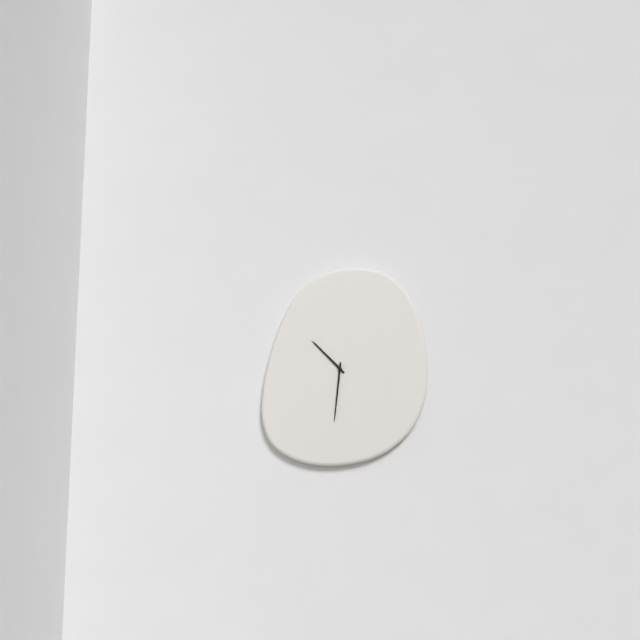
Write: {"hour": 10, "minute": 31}
